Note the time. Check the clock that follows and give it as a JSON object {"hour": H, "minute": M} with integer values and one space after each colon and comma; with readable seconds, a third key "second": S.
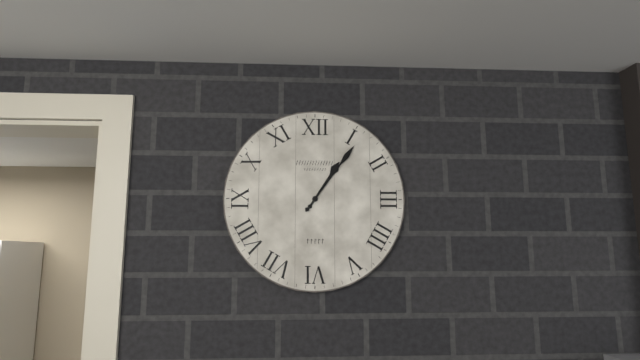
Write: {"hour": 1, "minute": 6}
